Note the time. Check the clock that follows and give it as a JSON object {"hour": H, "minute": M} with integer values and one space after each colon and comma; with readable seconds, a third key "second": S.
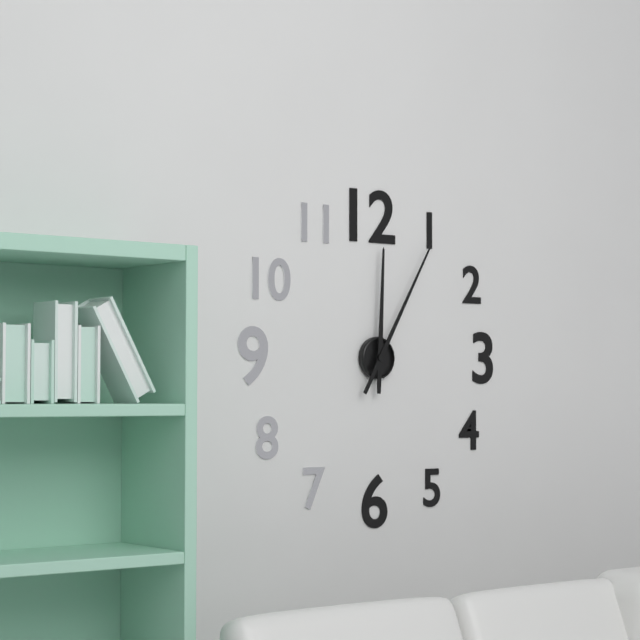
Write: {"hour": 12, "minute": 5}
